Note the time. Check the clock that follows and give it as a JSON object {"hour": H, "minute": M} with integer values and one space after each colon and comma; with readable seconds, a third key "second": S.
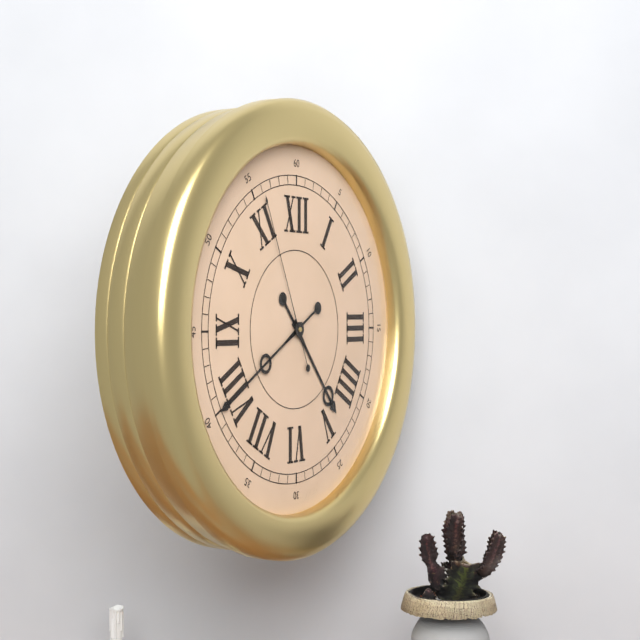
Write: {"hour": 4, "minute": 40, "second": 56}
